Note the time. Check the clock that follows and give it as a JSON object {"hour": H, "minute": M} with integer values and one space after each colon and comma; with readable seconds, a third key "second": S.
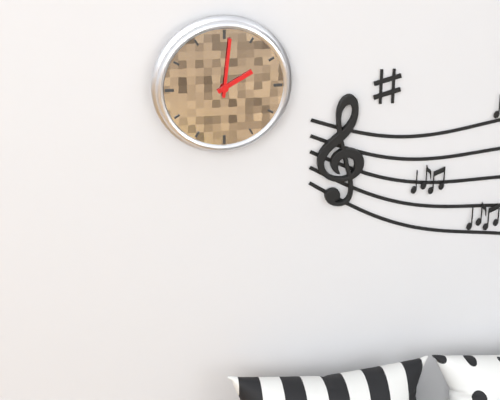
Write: {"hour": 2, "minute": 1}
